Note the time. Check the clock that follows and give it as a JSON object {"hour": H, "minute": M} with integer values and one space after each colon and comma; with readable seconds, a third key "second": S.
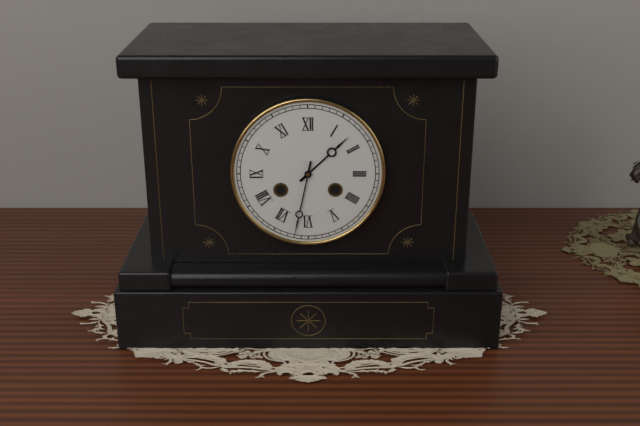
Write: {"hour": 1, "minute": 32}
